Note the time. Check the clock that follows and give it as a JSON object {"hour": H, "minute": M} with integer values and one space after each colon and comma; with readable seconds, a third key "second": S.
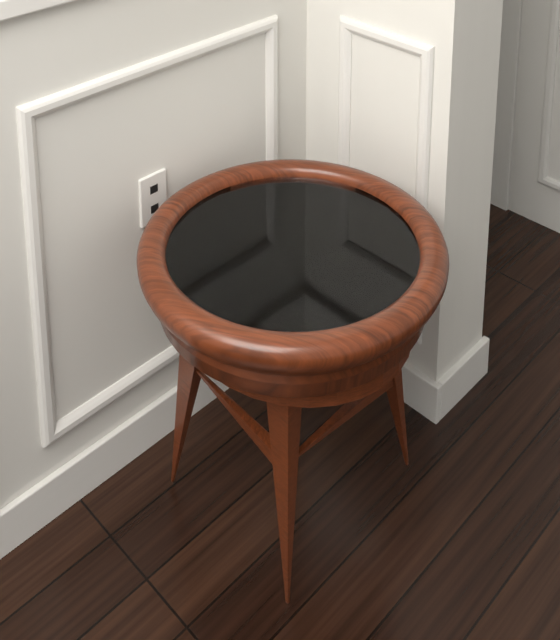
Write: {"hour": 6, "minute": 18}
